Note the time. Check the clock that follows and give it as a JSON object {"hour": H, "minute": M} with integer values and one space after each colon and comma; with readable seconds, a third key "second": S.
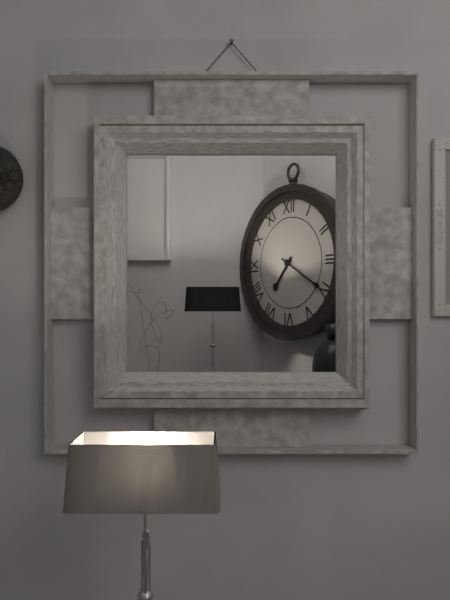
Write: {"hour": 7, "minute": 20}
